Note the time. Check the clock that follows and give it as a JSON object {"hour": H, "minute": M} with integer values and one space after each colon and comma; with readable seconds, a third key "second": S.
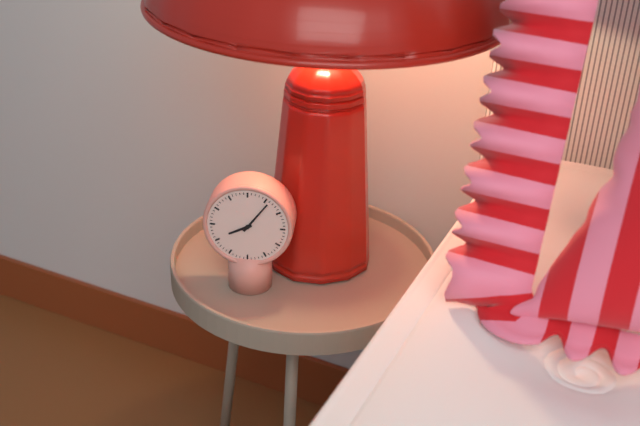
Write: {"hour": 8, "minute": 6}
